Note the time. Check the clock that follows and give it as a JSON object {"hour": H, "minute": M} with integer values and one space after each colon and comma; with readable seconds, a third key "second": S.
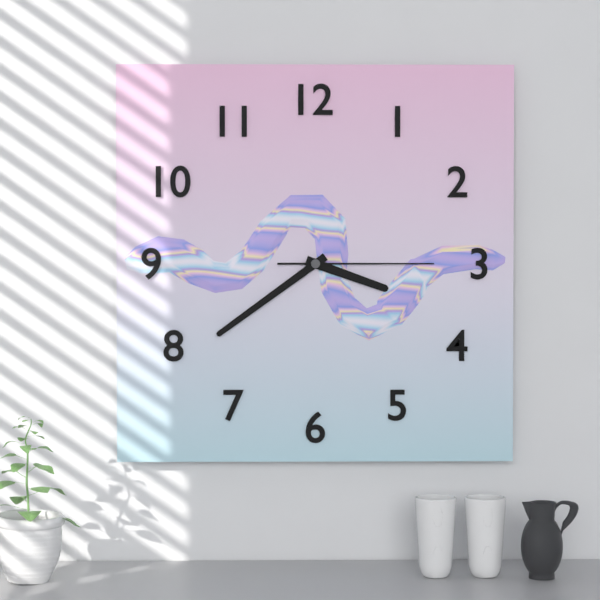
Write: {"hour": 3, "minute": 39, "second": 15}
